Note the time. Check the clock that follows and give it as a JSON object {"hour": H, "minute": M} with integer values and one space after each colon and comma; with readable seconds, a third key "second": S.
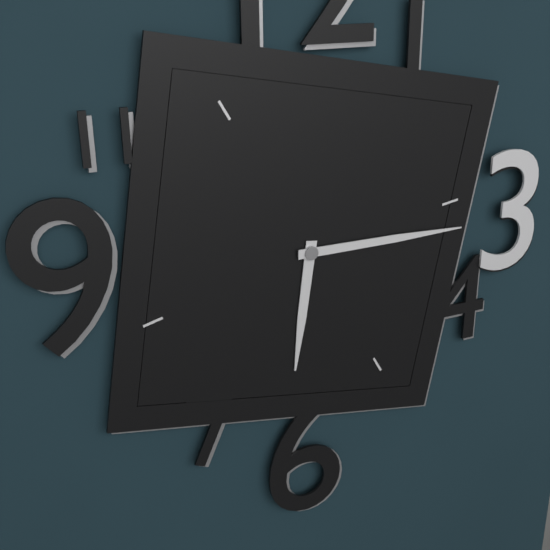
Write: {"hour": 6, "minute": 15}
